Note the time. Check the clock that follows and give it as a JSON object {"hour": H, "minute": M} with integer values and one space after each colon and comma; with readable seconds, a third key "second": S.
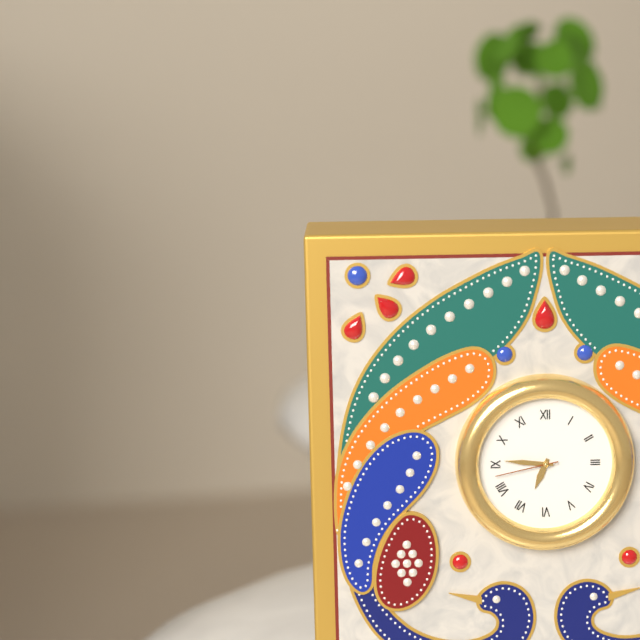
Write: {"hour": 6, "minute": 46, "second": 43}
